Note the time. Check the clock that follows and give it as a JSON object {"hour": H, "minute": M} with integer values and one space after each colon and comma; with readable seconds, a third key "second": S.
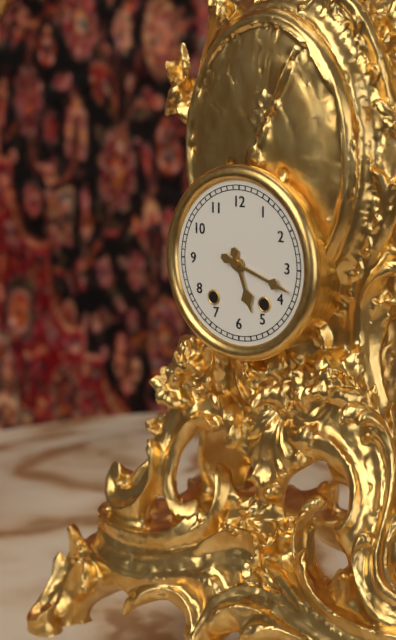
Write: {"hour": 5, "minute": 18}
